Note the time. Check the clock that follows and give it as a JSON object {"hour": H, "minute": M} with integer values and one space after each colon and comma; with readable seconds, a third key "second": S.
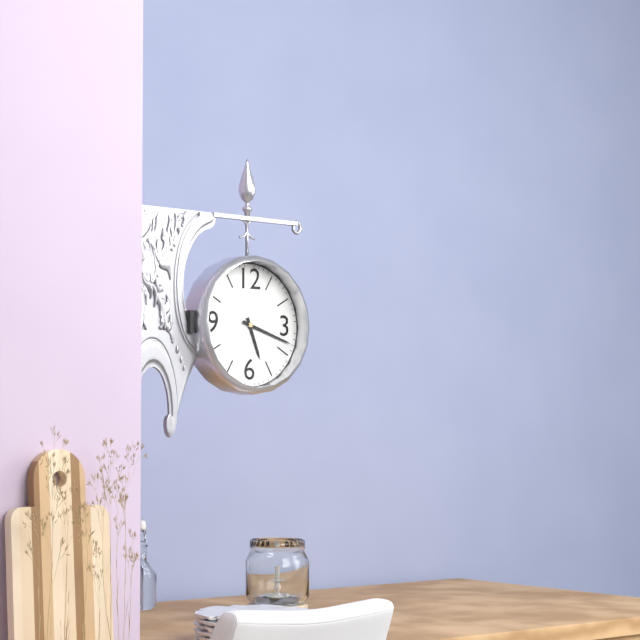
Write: {"hour": 5, "minute": 18}
